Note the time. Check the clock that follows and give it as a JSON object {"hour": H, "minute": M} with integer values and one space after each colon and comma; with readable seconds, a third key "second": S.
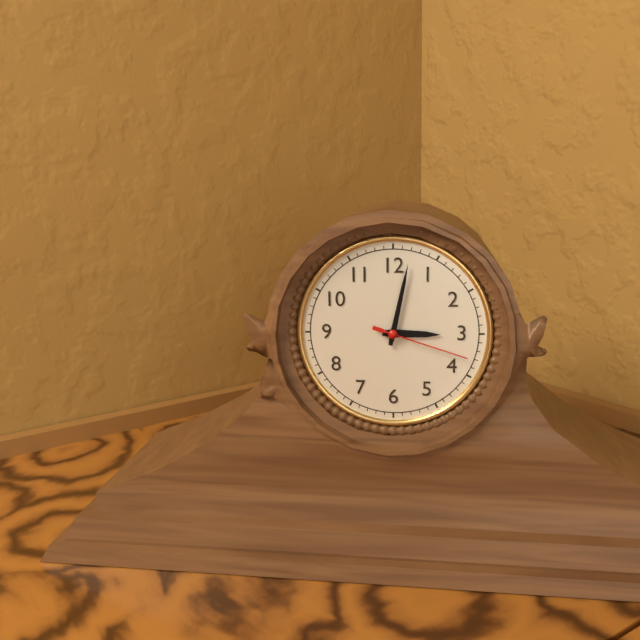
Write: {"hour": 3, "minute": 2, "second": 18}
